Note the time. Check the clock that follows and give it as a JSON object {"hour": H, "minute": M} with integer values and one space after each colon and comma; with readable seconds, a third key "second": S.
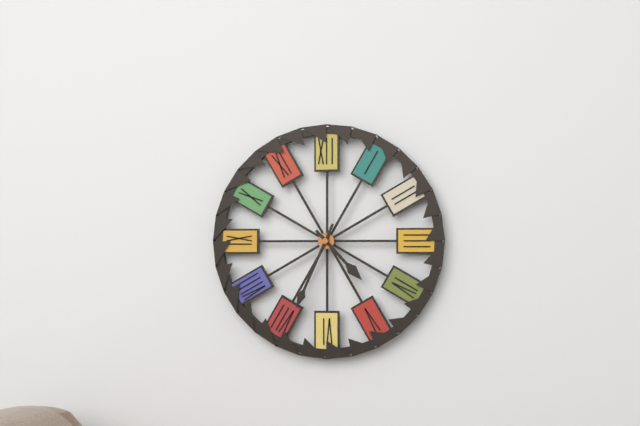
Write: {"hour": 4, "minute": 34}
